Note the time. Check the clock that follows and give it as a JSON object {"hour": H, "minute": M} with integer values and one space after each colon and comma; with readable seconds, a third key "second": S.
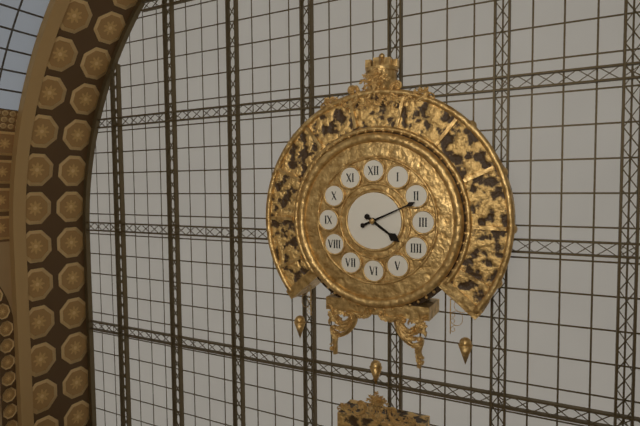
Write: {"hour": 4, "minute": 11}
